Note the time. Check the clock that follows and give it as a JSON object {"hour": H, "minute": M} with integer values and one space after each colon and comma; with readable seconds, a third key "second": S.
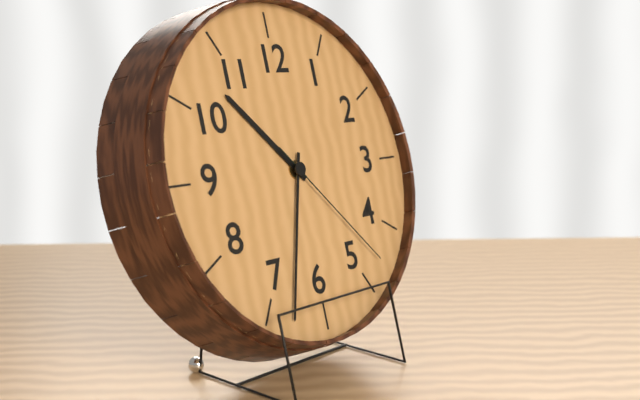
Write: {"hour": 10, "minute": 33, "second": 23}
